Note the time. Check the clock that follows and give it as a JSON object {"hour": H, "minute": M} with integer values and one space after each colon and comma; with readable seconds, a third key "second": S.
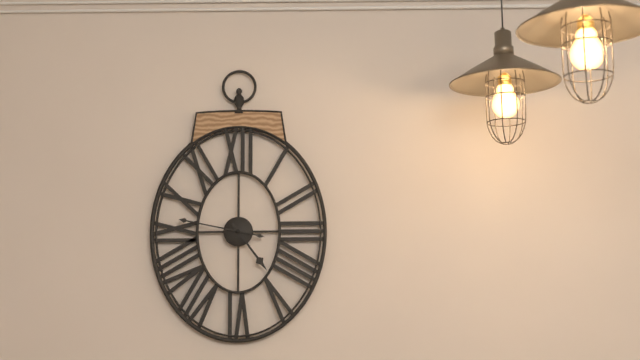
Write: {"hour": 4, "minute": 47}
